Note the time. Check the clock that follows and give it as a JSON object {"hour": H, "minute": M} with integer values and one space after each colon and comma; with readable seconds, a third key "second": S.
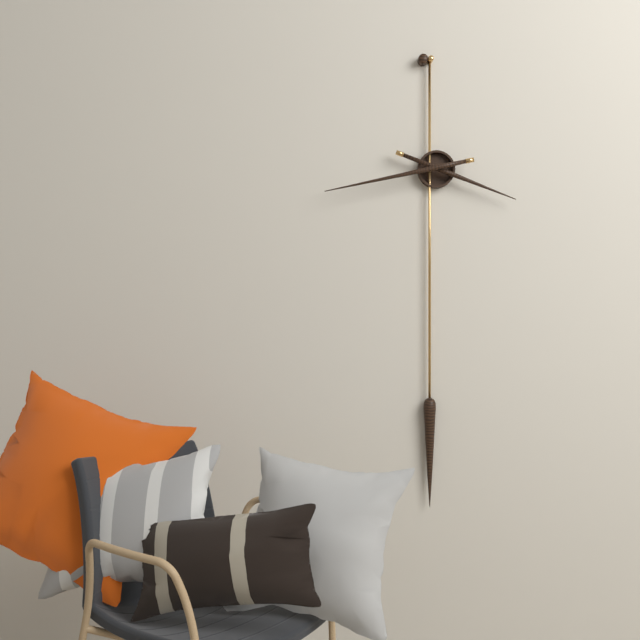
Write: {"hour": 3, "minute": 43}
